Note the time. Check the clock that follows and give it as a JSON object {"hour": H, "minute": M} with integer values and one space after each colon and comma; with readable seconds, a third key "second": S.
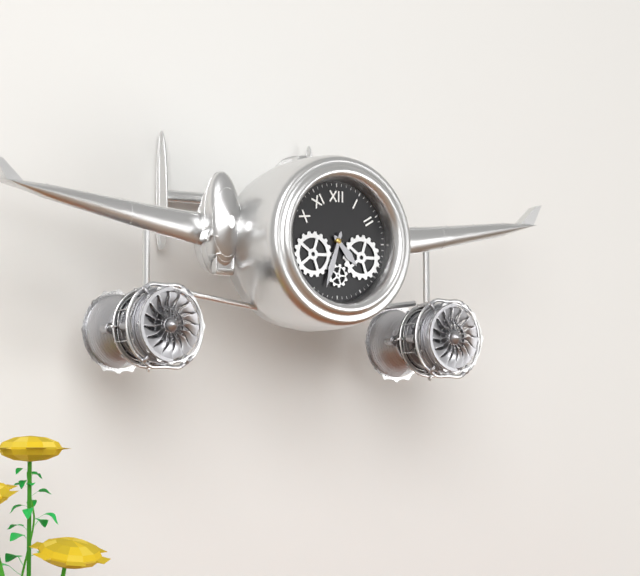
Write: {"hour": 4, "minute": 33}
